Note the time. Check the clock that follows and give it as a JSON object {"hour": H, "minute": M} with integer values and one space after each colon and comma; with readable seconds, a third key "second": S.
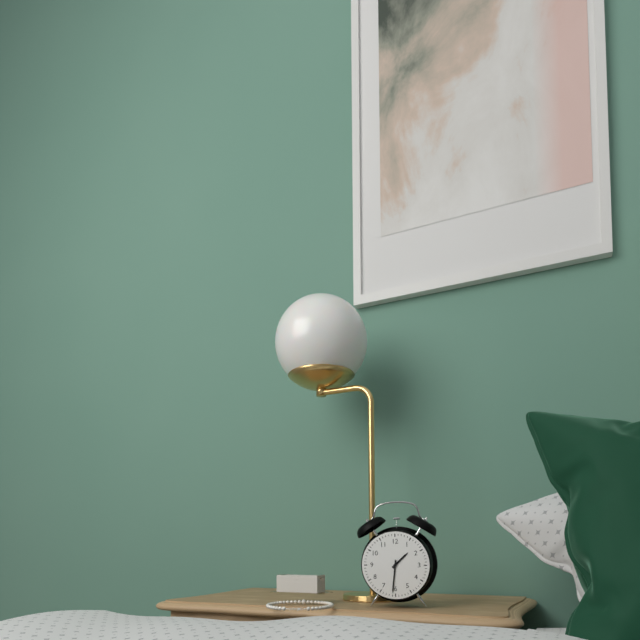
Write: {"hour": 1, "minute": 31}
